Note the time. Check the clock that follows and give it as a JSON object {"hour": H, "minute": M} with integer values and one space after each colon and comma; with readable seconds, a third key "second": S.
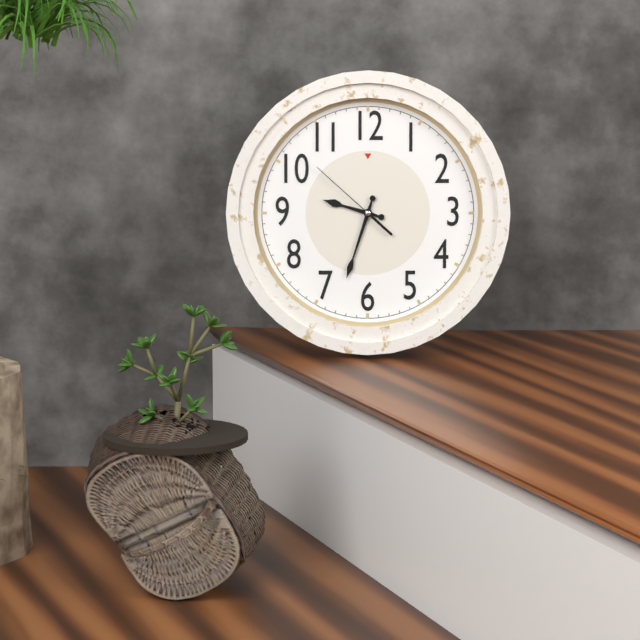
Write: {"hour": 9, "minute": 33, "second": 52}
